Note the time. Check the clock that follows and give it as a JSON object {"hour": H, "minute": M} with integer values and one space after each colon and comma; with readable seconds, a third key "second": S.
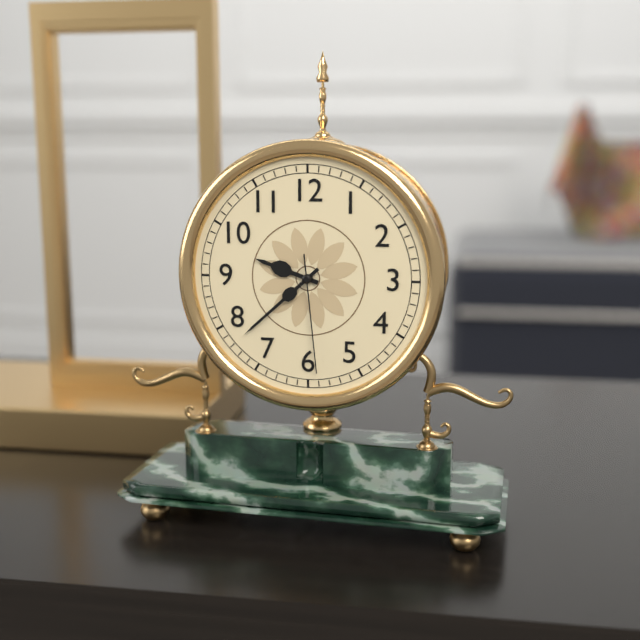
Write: {"hour": 9, "minute": 38, "second": 29}
